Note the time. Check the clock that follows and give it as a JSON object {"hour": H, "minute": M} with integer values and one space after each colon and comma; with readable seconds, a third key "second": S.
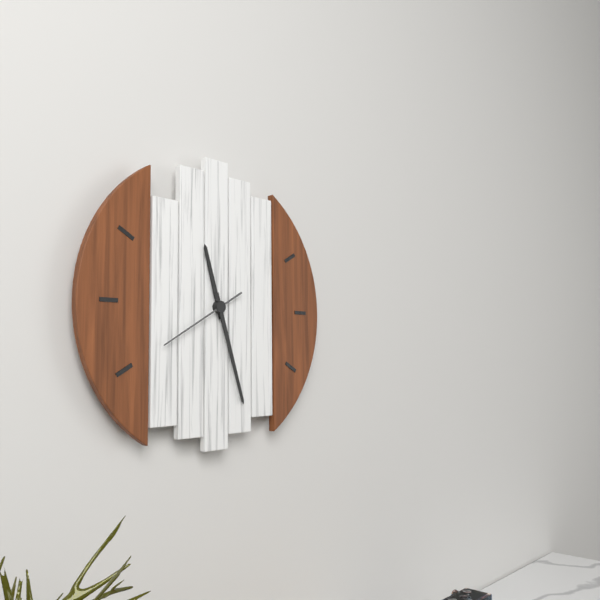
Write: {"hour": 11, "minute": 27, "second": 40}
